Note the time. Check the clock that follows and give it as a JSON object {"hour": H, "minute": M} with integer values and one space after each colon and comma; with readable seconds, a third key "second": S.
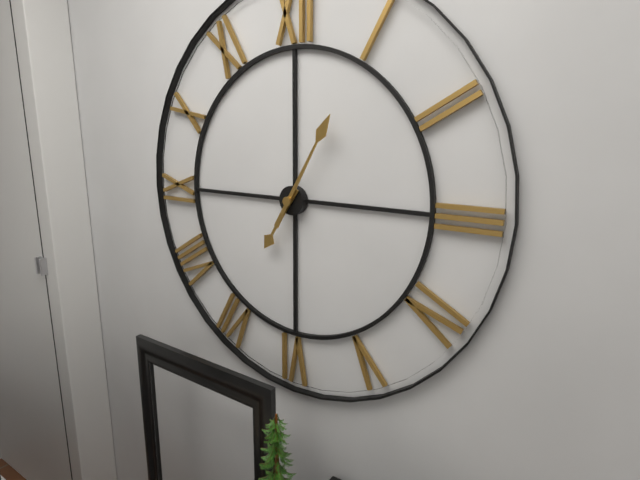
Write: {"hour": 7, "minute": 5}
